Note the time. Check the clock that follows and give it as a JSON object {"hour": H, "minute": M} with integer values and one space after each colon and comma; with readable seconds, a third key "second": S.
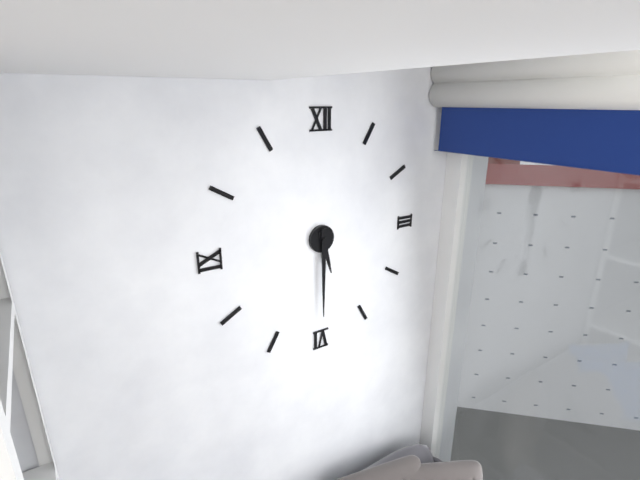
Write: {"hour": 5, "minute": 30}
